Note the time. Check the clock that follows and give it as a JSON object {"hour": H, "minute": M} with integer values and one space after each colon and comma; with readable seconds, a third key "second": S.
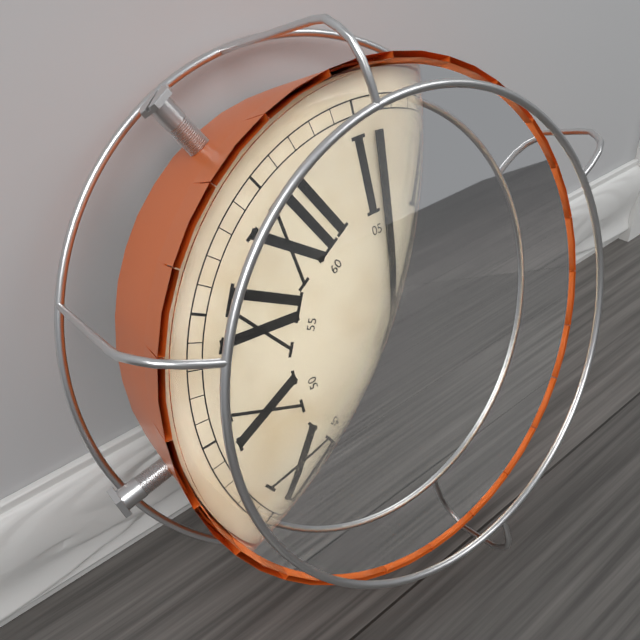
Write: {"hour": 2, "minute": 6}
